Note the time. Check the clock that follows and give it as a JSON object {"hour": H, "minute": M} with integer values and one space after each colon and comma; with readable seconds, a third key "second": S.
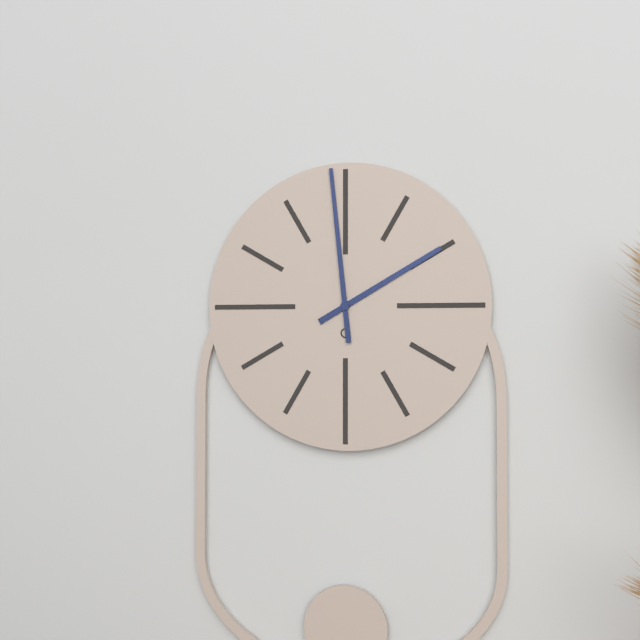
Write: {"hour": 1, "minute": 59}
